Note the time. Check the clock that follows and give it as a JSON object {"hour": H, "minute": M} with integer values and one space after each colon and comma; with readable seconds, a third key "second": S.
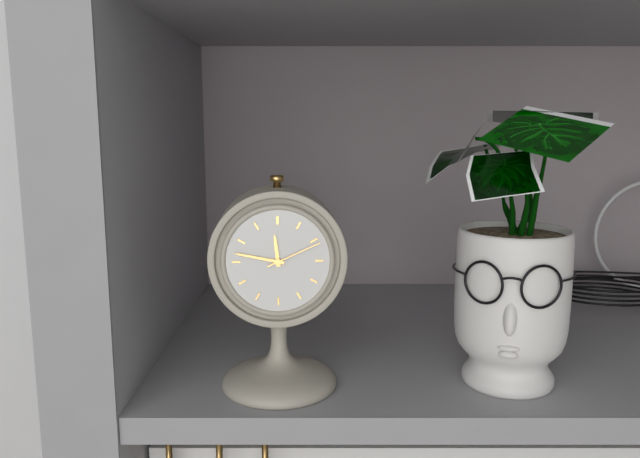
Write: {"hour": 11, "minute": 47, "second": 11}
